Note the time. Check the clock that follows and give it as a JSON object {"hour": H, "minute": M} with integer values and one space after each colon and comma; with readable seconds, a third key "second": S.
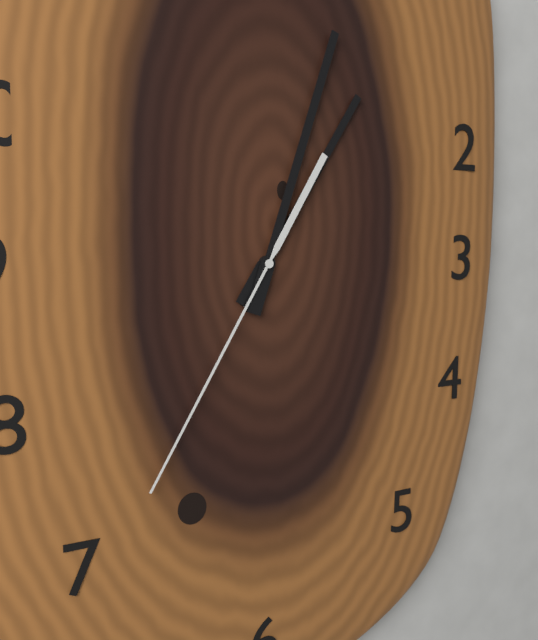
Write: {"hour": 1, "minute": 3, "second": 35}
